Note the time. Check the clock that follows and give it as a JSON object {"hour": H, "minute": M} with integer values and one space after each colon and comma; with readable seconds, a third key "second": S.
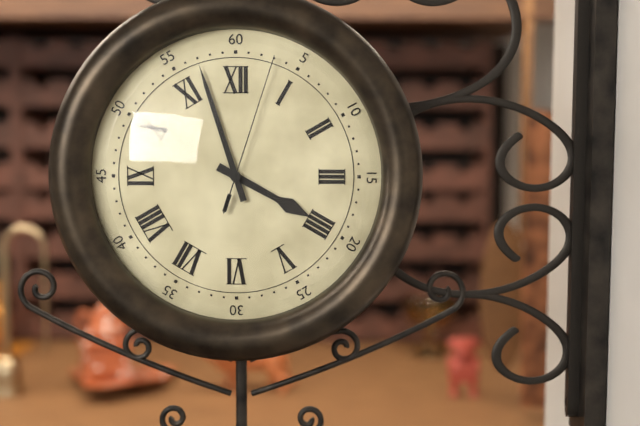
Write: {"hour": 3, "minute": 57, "second": 3}
